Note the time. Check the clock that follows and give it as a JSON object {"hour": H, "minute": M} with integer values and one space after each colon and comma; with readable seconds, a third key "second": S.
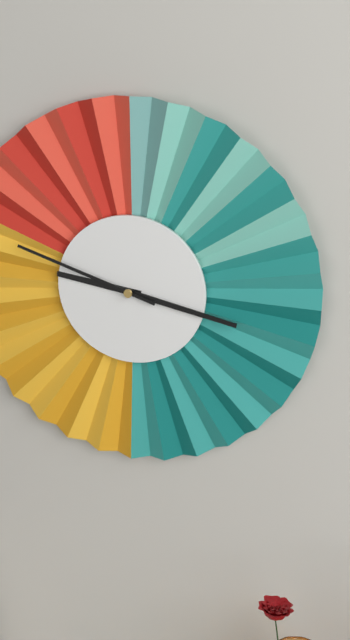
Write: {"hour": 9, "minute": 17, "second": 48}
